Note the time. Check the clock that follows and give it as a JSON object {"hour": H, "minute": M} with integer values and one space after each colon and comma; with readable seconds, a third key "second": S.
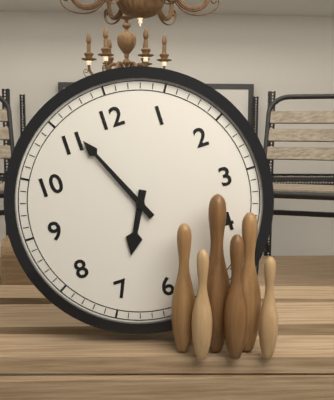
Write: {"hour": 6, "minute": 56}
